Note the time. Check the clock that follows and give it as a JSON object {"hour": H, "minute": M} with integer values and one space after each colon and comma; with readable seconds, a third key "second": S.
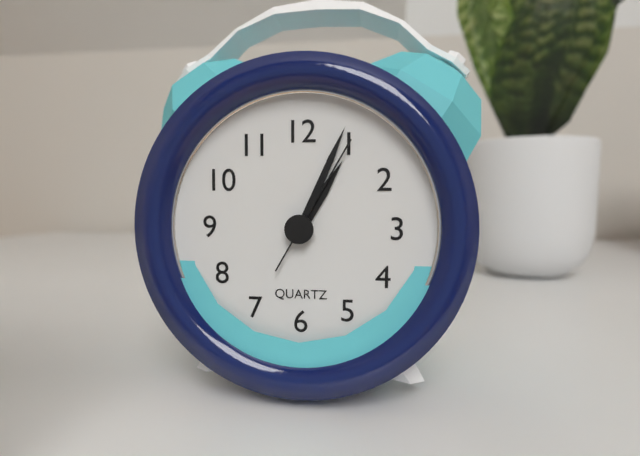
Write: {"hour": 1, "minute": 4, "second": 5}
